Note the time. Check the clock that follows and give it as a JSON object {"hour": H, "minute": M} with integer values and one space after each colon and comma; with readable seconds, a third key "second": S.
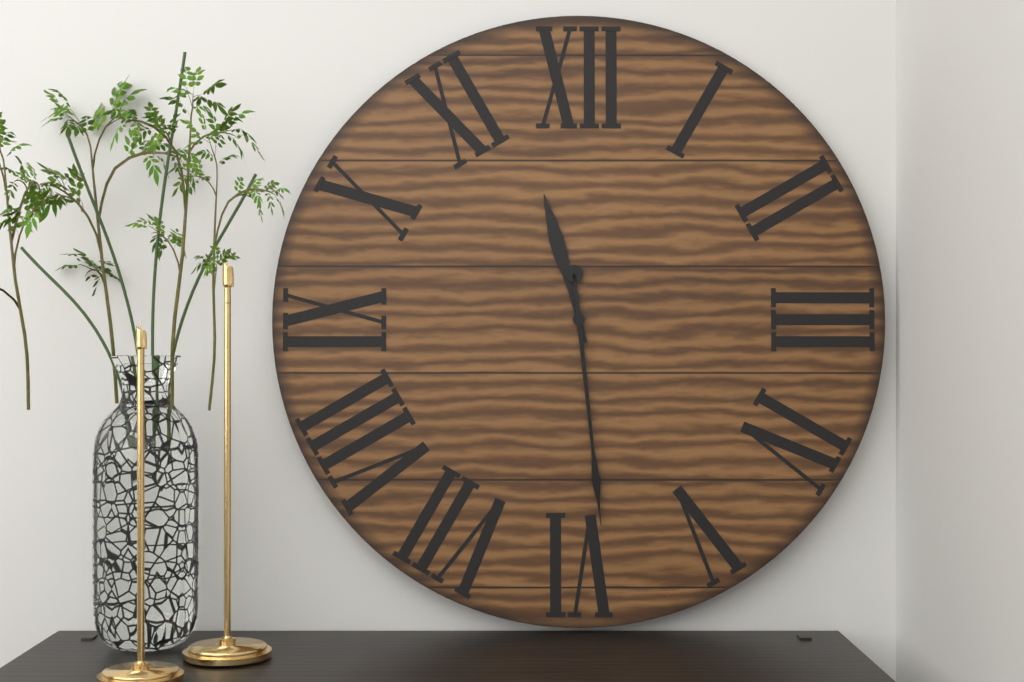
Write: {"hour": 11, "minute": 29}
